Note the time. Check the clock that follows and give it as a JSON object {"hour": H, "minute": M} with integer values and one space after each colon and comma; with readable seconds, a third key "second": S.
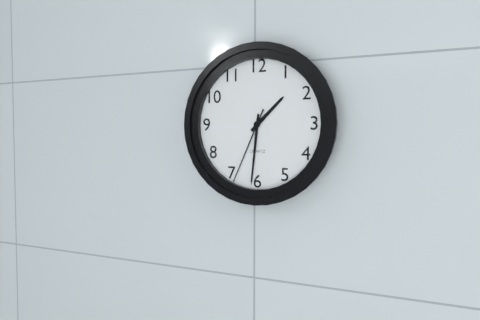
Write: {"hour": 1, "minute": 31, "second": 34}
